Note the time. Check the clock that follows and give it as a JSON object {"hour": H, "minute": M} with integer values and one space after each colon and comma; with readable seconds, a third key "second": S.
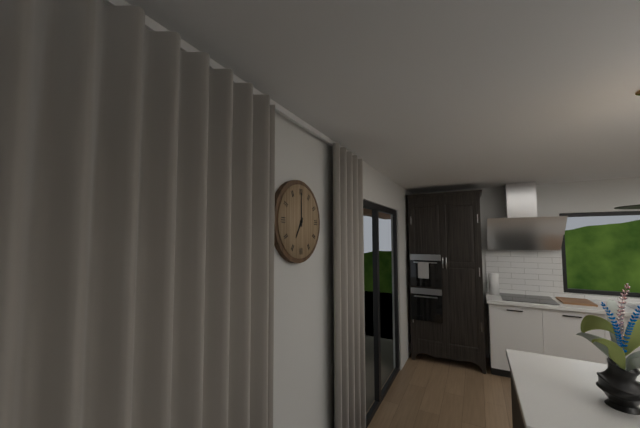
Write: {"hour": 7, "minute": 0}
